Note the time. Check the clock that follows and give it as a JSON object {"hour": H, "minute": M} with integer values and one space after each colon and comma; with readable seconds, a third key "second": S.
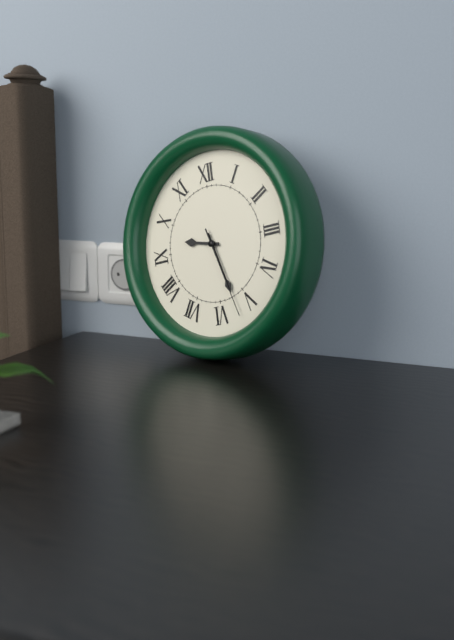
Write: {"hour": 9, "minute": 27, "second": 27}
